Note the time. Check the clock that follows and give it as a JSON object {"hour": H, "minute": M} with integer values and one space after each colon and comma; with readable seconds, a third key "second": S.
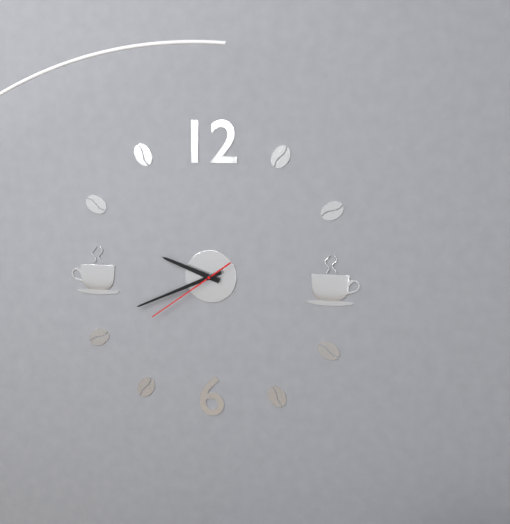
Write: {"hour": 9, "minute": 41, "second": 39}
